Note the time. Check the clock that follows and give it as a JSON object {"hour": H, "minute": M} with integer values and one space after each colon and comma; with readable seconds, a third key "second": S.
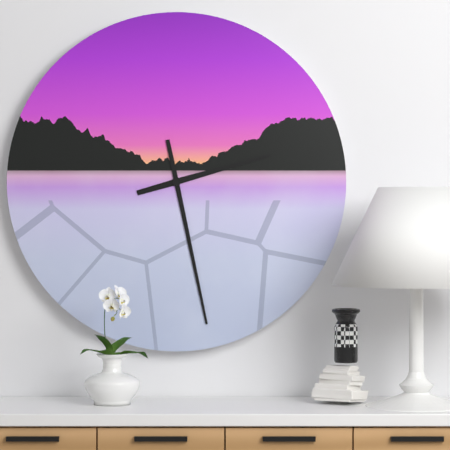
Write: {"hour": 2, "minute": 28}
